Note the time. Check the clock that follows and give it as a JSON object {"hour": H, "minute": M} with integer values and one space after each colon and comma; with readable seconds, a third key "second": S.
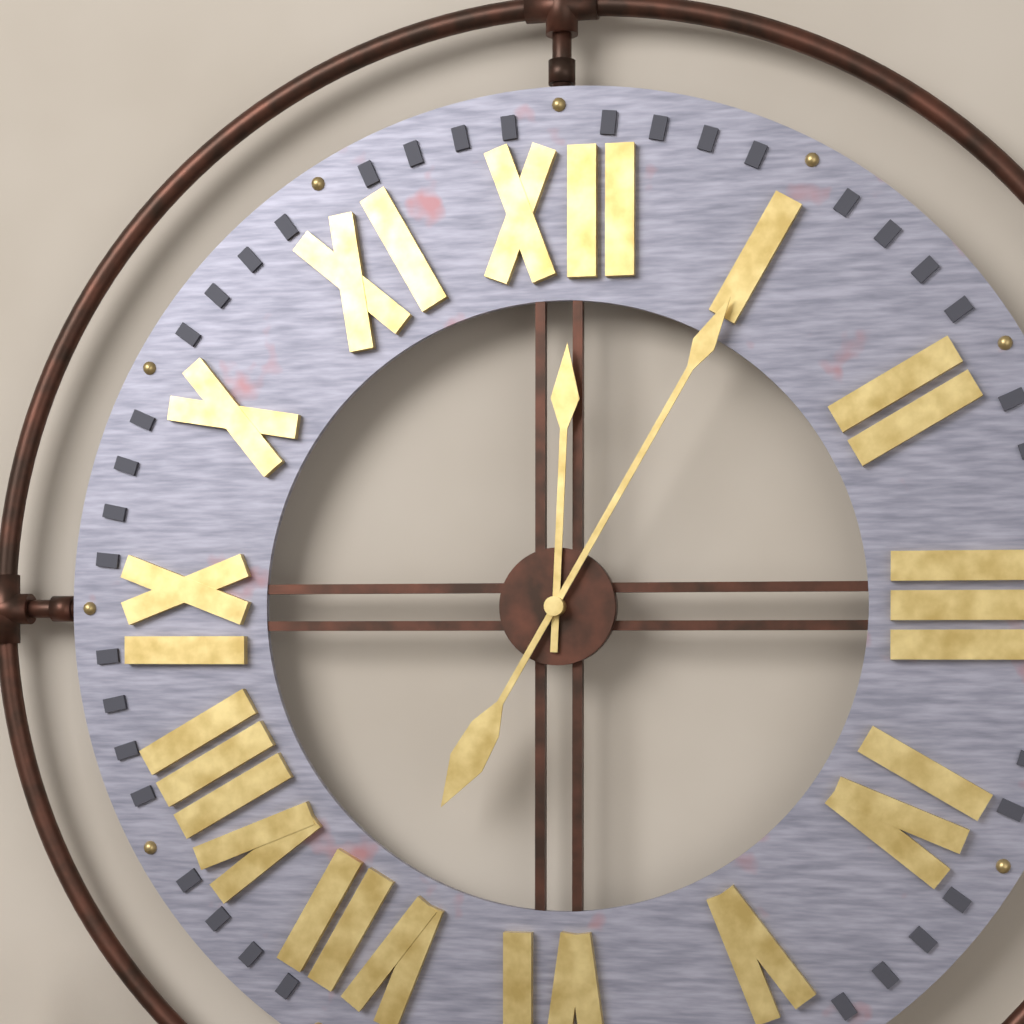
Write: {"hour": 12, "minute": 5}
